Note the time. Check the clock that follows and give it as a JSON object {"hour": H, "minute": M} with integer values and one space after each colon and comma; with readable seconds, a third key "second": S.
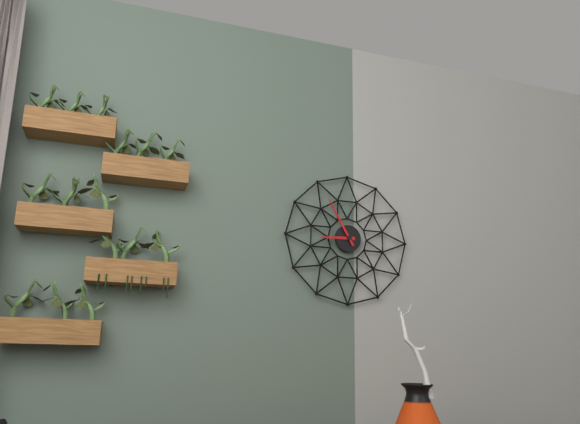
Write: {"hour": 8, "minute": 55}
